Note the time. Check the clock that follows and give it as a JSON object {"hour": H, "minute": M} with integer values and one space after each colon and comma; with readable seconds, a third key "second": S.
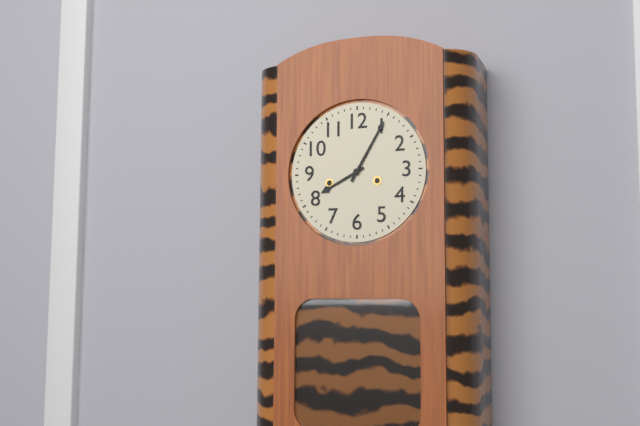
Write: {"hour": 8, "minute": 5}
